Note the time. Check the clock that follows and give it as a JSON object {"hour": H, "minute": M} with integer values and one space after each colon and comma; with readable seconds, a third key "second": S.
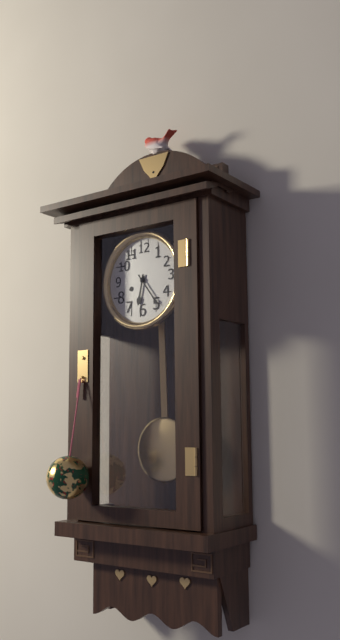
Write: {"hour": 6, "minute": 24}
